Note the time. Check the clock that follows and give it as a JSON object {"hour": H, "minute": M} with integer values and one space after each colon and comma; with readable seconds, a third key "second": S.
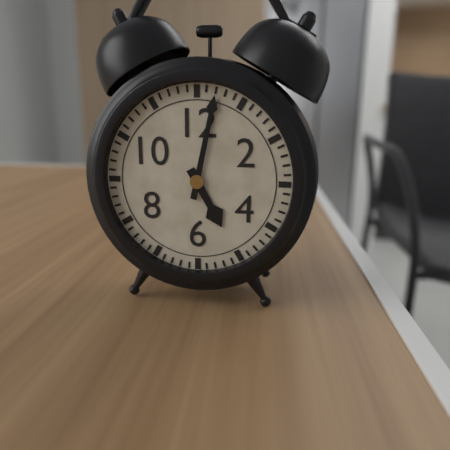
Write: {"hour": 5, "minute": 2}
